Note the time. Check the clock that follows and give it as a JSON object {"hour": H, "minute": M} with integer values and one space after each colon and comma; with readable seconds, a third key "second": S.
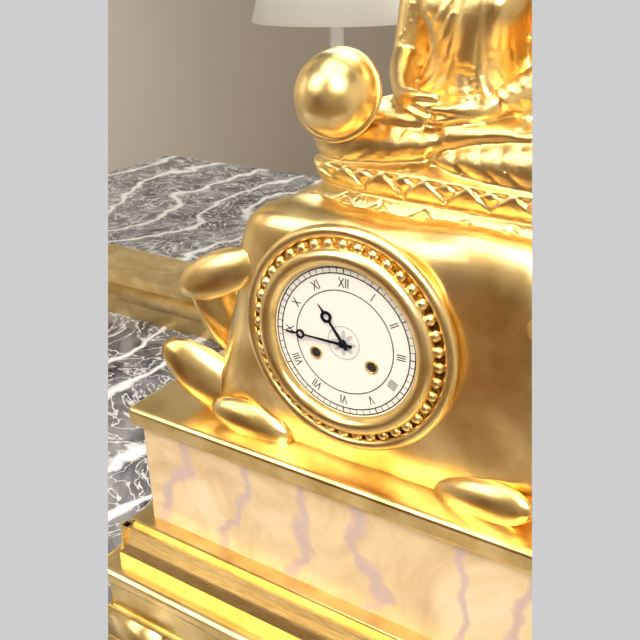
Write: {"hour": 10, "minute": 45}
